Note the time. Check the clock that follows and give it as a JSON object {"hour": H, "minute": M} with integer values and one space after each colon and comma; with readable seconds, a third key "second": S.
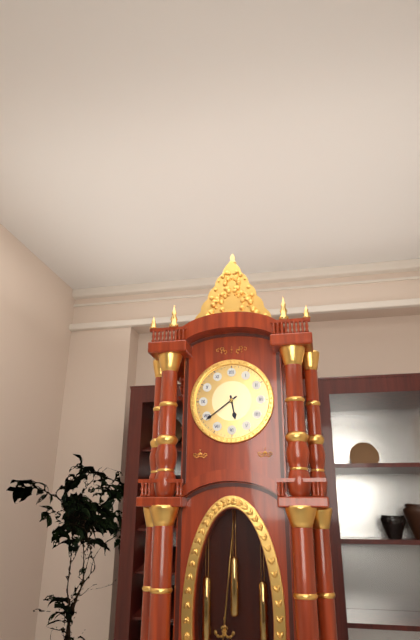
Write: {"hour": 5, "minute": 39}
